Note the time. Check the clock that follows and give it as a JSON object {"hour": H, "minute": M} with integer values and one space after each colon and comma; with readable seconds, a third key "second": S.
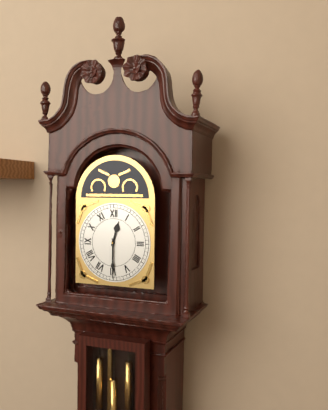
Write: {"hour": 12, "minute": 30}
